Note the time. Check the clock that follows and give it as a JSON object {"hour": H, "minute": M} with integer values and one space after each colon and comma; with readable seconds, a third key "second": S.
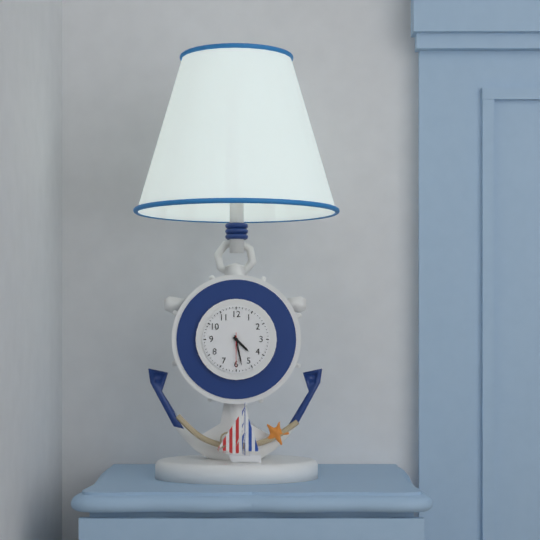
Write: {"hour": 4, "minute": 28}
